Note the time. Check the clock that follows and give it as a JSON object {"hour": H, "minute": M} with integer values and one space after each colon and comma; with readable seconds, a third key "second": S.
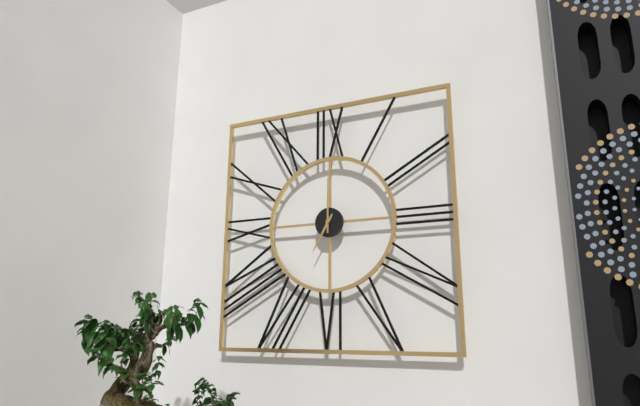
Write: {"hour": 7, "minute": 0}
